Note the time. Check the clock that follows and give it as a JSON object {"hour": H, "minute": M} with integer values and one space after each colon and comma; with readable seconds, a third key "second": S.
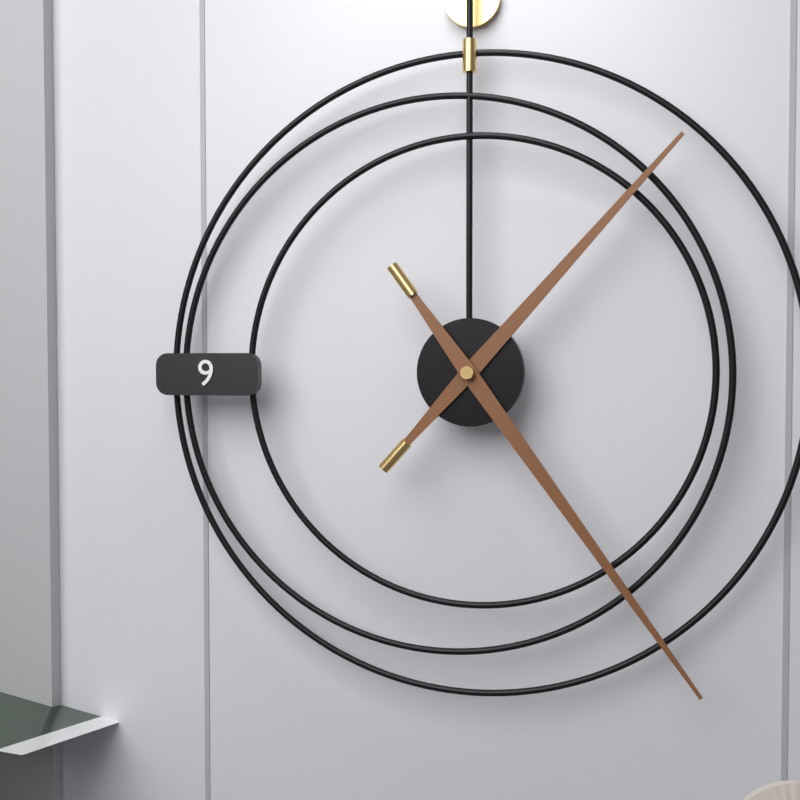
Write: {"hour": 1, "minute": 24}
